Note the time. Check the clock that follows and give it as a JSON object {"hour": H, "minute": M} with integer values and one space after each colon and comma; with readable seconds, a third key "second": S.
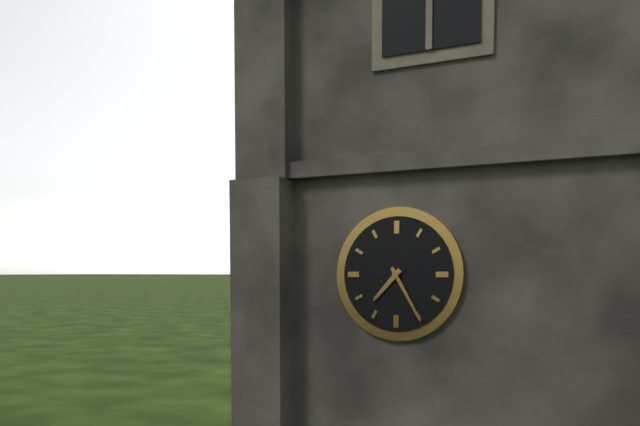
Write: {"hour": 7, "minute": 25}
